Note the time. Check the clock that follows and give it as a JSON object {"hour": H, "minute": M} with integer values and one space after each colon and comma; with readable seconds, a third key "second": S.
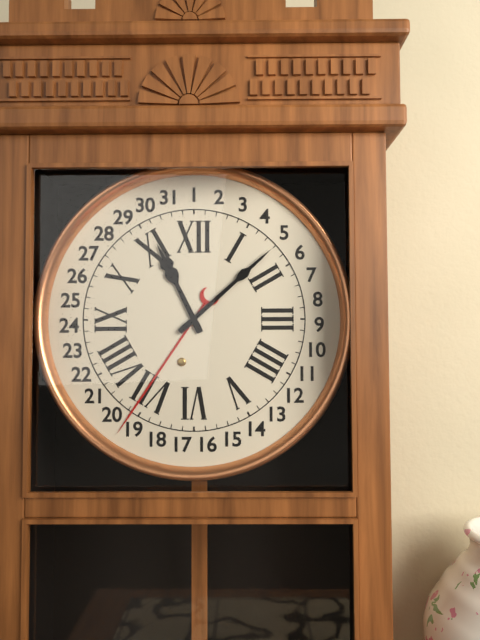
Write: {"hour": 11, "minute": 8}
